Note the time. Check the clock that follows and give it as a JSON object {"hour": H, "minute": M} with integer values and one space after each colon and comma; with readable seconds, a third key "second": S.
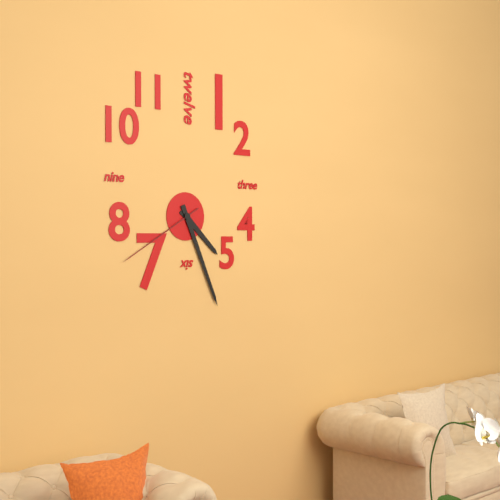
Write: {"hour": 4, "minute": 26, "second": 40}
